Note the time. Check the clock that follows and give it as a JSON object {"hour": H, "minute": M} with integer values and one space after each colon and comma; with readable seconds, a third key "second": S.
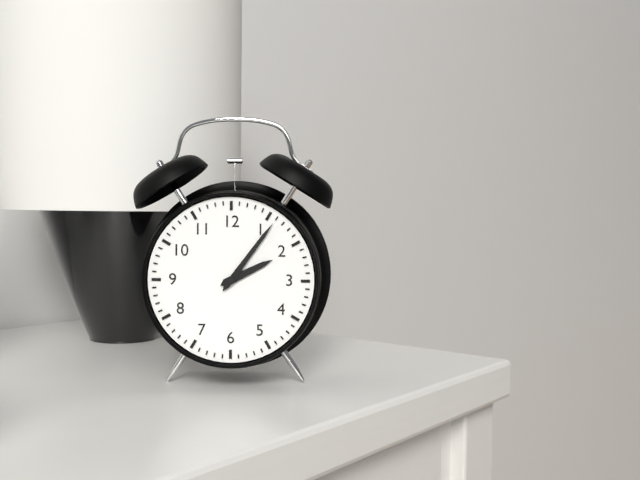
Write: {"hour": 2, "minute": 6}
